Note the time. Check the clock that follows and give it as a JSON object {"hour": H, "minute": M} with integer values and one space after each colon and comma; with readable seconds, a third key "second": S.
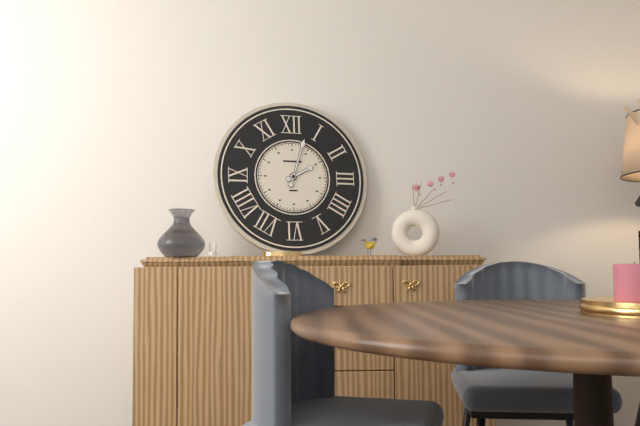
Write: {"hour": 2, "minute": 3}
